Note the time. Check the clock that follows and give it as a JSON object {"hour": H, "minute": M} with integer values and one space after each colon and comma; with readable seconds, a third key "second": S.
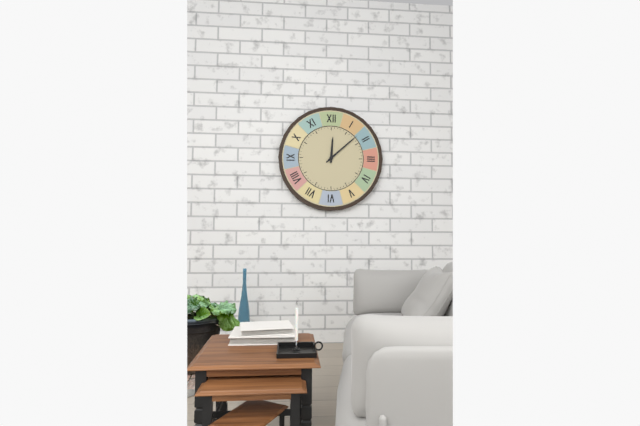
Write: {"hour": 12, "minute": 8}
